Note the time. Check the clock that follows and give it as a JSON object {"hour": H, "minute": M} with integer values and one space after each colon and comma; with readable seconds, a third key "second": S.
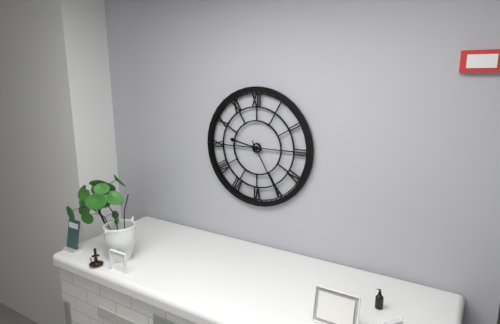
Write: {"hour": 9, "minute": 25}
